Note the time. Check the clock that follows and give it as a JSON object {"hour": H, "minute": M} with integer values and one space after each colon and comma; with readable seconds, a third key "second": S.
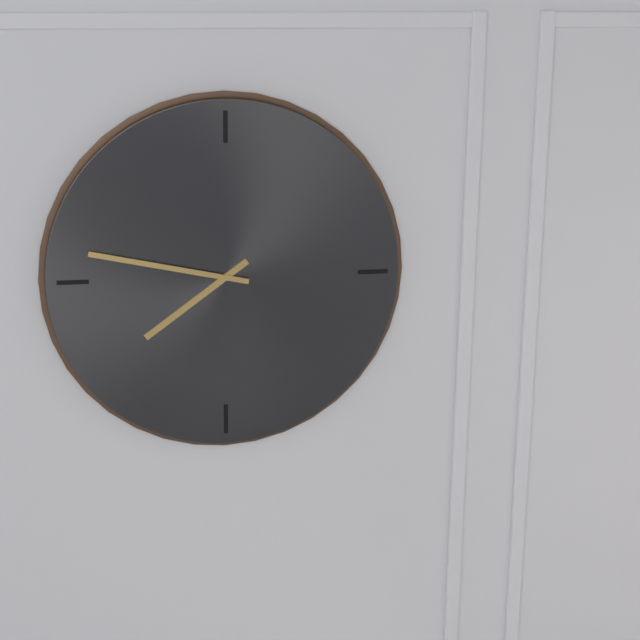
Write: {"hour": 7, "minute": 47}
